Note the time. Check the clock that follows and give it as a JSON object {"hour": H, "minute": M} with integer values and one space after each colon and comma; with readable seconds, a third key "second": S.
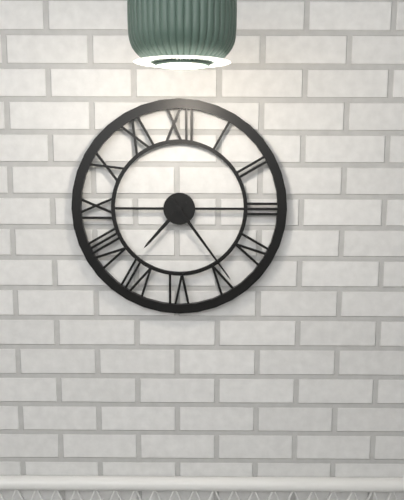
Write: {"hour": 7, "minute": 24}
